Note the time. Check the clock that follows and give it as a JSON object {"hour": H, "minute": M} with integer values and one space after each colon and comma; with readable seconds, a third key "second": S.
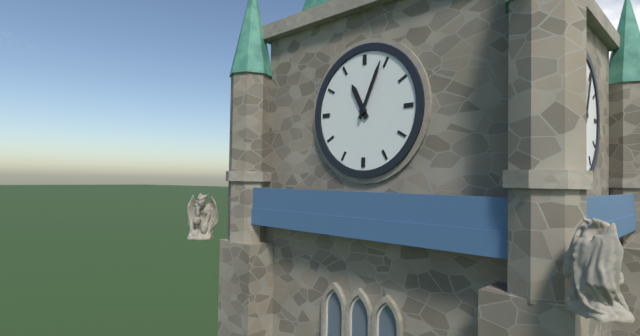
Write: {"hour": 11, "minute": 4}
